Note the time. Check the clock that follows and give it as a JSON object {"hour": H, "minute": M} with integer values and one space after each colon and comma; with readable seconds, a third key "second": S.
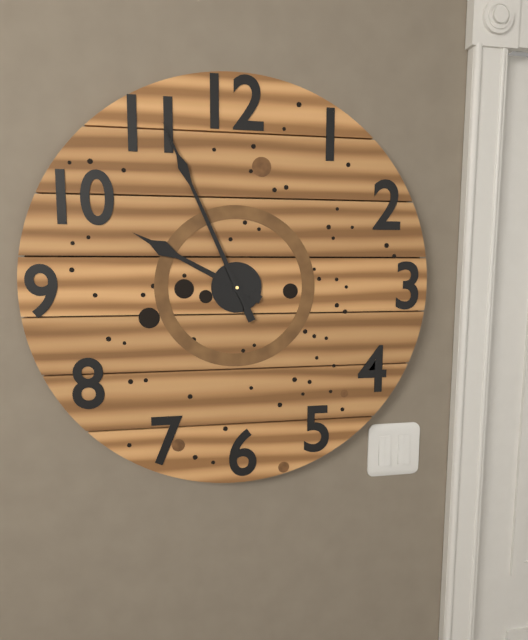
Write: {"hour": 9, "minute": 56}
